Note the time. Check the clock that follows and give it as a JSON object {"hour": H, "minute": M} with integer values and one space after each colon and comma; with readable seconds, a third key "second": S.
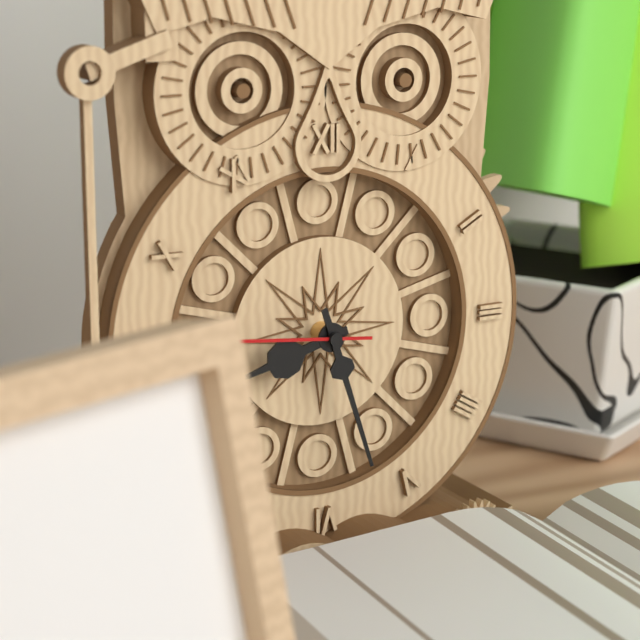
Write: {"hour": 8, "minute": 27}
